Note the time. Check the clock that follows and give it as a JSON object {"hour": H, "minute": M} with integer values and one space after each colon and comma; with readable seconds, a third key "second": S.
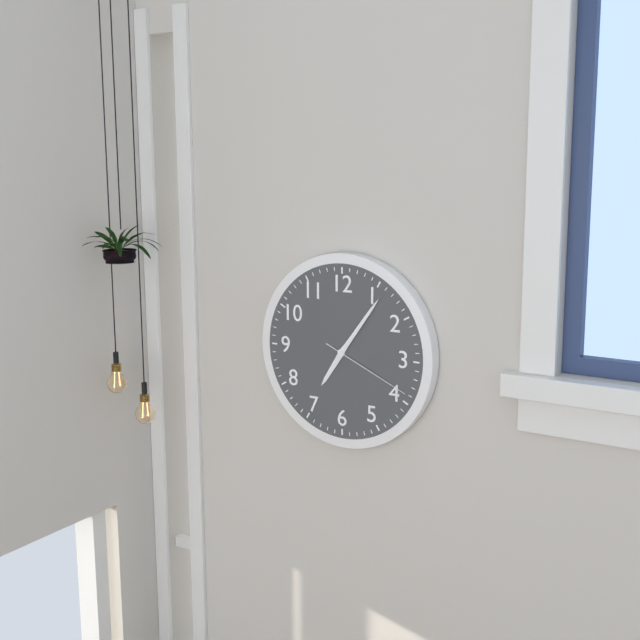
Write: {"hour": 7, "minute": 6, "second": 19}
